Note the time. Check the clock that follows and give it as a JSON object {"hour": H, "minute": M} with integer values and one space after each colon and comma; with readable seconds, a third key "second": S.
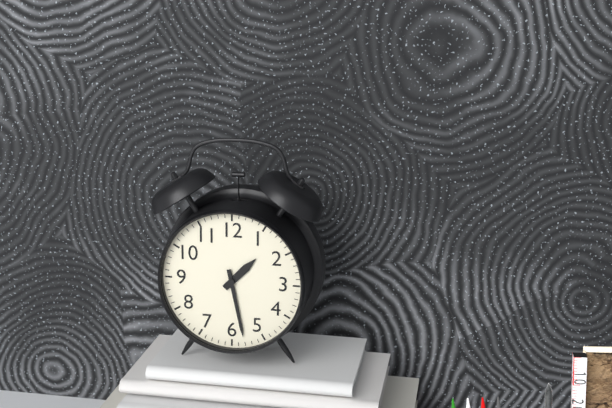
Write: {"hour": 1, "minute": 28}
